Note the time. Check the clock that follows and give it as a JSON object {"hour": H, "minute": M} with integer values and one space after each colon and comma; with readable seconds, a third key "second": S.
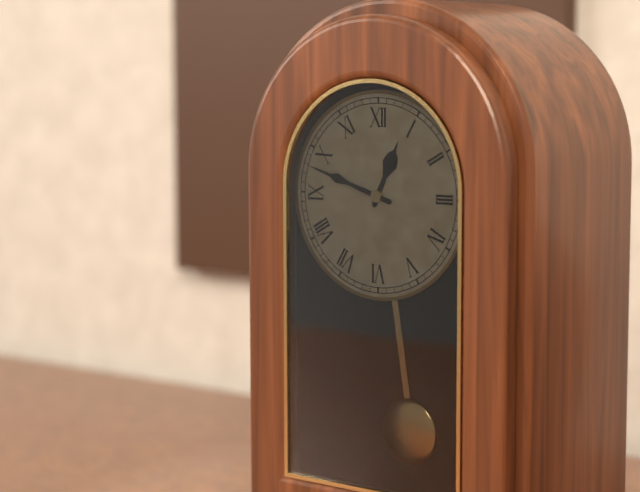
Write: {"hour": 12, "minute": 48}
